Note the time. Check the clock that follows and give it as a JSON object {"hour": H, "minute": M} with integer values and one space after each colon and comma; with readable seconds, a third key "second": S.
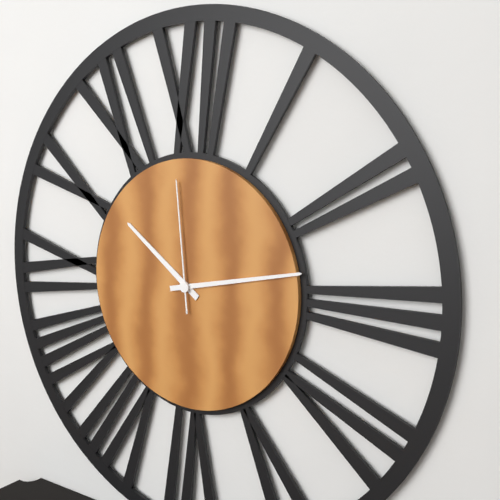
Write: {"hour": 10, "minute": 13, "second": 59}
